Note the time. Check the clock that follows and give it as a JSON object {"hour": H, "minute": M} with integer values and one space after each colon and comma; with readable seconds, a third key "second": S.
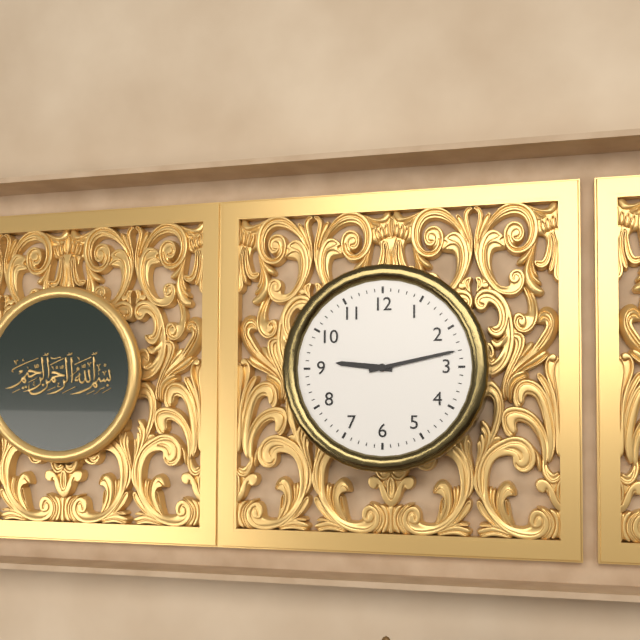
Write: {"hour": 9, "minute": 13}
